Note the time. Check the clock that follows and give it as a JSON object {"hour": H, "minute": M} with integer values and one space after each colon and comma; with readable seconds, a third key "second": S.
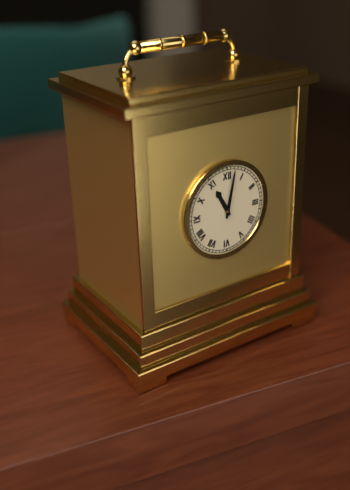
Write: {"hour": 11, "minute": 2}
